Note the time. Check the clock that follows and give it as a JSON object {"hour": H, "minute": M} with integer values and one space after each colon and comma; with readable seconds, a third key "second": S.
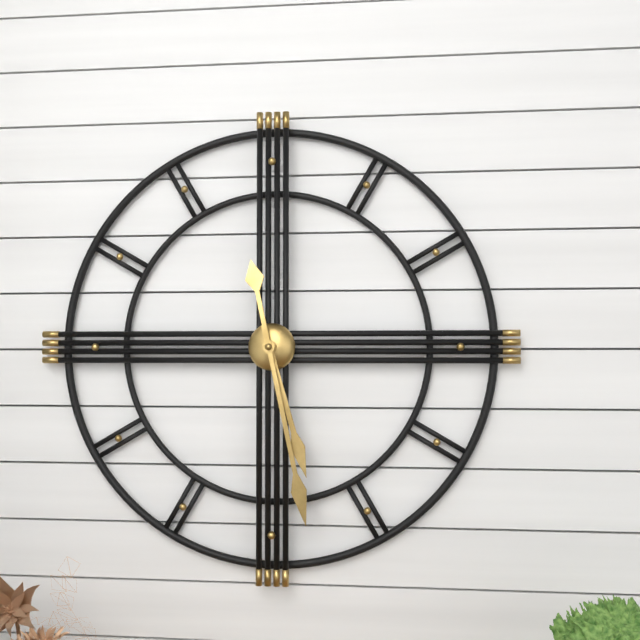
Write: {"hour": 5, "minute": 28}
